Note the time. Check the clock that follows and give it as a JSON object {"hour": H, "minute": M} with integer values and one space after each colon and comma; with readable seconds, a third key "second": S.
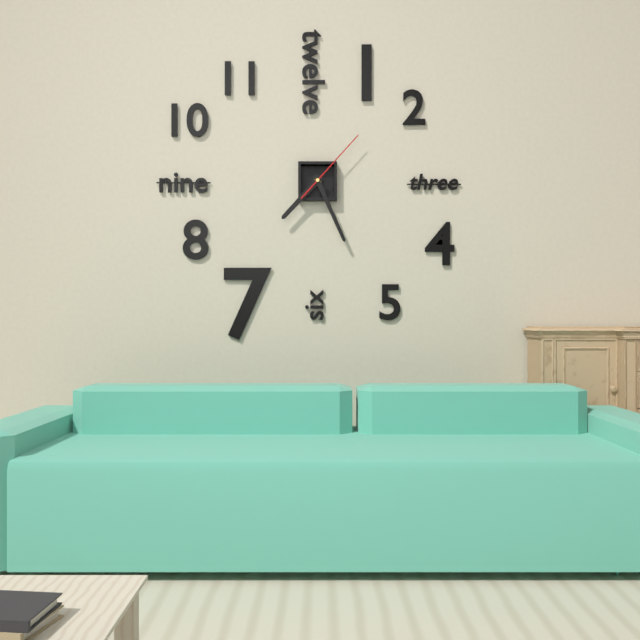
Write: {"hour": 7, "minute": 26, "second": 7}
